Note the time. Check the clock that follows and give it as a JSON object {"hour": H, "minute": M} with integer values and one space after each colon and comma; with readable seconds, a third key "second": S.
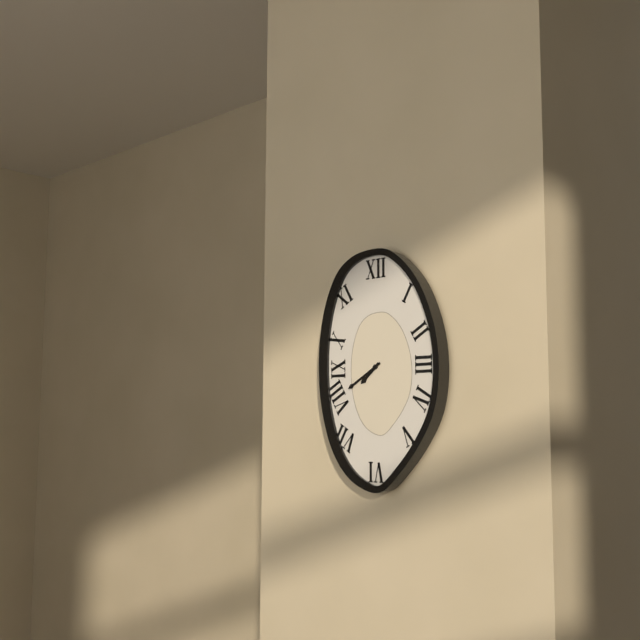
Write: {"hour": 7, "minute": 40}
